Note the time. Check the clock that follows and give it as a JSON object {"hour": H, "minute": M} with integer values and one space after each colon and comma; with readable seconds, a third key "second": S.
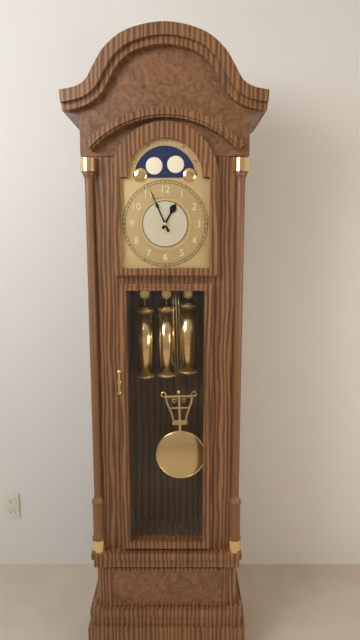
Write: {"hour": 12, "minute": 56}
